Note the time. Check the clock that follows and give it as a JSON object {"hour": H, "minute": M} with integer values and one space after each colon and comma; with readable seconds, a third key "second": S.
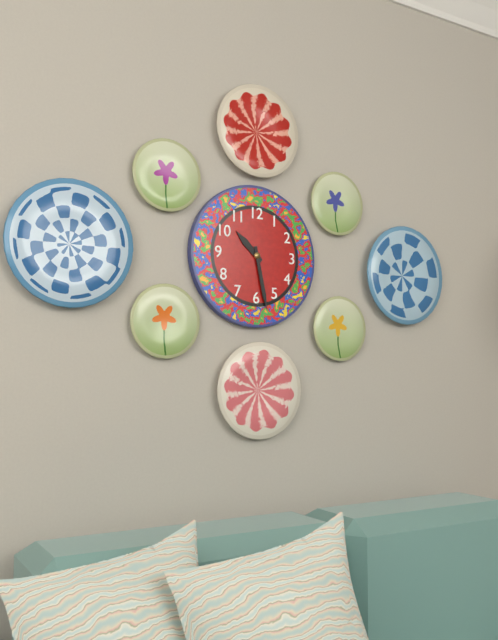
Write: {"hour": 10, "minute": 28}
